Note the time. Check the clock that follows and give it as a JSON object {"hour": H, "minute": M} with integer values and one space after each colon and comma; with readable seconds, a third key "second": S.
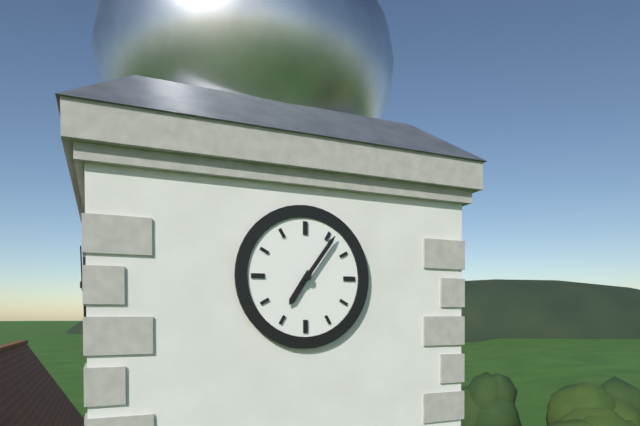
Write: {"hour": 7, "minute": 6}
